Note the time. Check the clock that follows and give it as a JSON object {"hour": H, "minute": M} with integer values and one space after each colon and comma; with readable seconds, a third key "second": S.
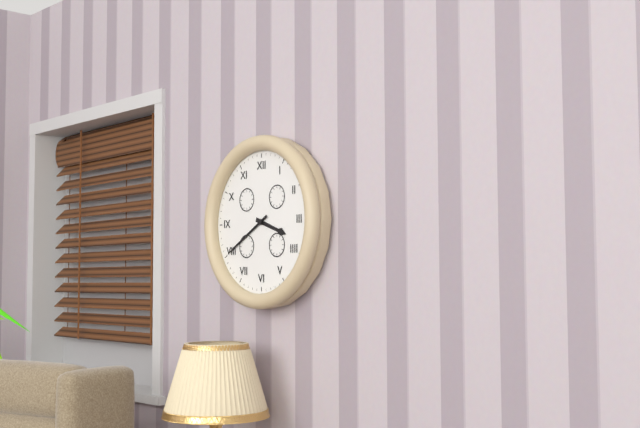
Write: {"hour": 3, "minute": 40}
